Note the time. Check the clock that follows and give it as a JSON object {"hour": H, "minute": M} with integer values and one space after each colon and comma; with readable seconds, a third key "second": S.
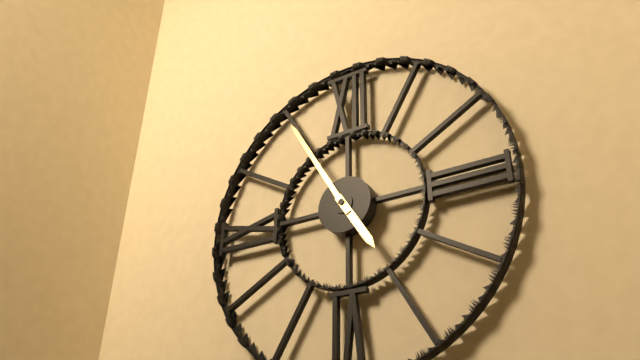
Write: {"hour": 4, "minute": 55}
